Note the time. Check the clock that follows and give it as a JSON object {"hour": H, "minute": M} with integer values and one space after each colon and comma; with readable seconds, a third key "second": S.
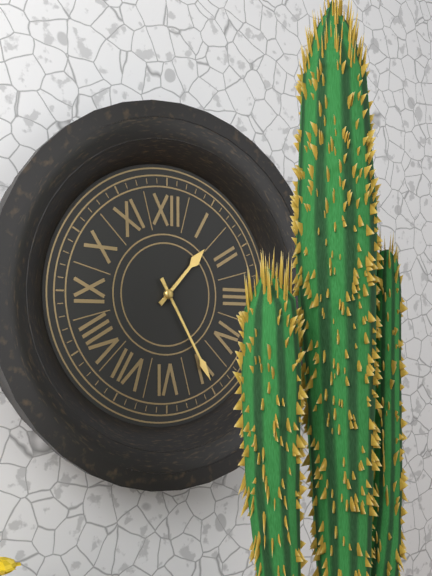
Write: {"hour": 1, "minute": 25}
